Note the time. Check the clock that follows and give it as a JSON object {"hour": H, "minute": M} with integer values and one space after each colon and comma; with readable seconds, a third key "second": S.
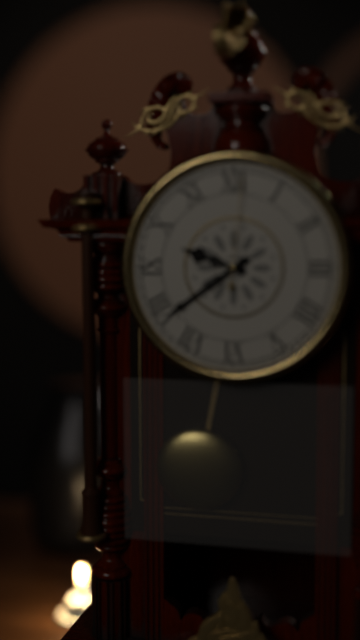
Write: {"hour": 9, "minute": 39, "second": 1}
